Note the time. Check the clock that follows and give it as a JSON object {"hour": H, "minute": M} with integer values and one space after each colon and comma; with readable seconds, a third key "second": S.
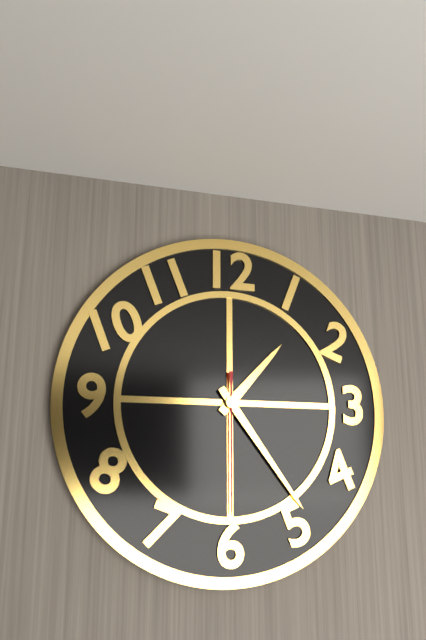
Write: {"hour": 1, "minute": 24, "second": 30}
